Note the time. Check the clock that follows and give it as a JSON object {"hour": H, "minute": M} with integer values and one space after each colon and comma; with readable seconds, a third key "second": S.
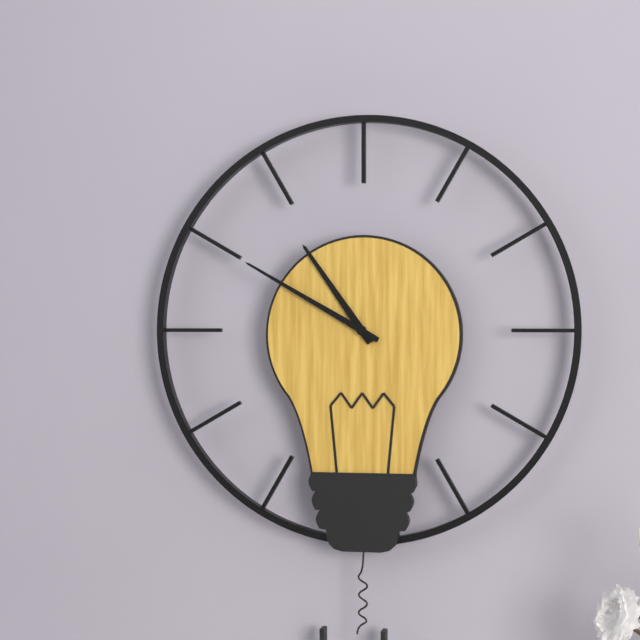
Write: {"hour": 10, "minute": 50}
